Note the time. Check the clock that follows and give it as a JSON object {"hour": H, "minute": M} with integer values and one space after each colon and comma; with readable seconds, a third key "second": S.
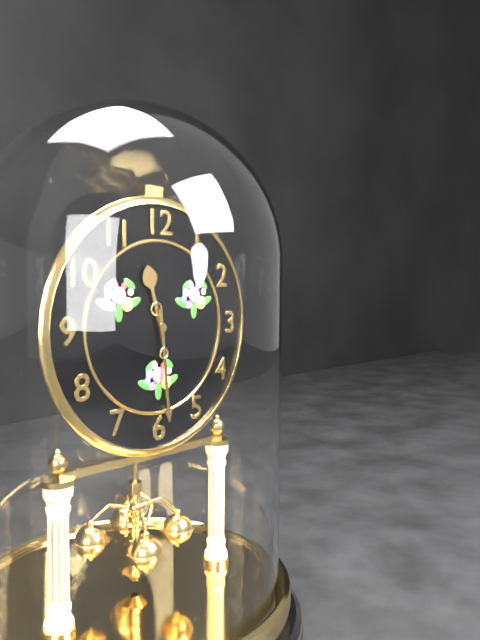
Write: {"hour": 11, "minute": 29}
